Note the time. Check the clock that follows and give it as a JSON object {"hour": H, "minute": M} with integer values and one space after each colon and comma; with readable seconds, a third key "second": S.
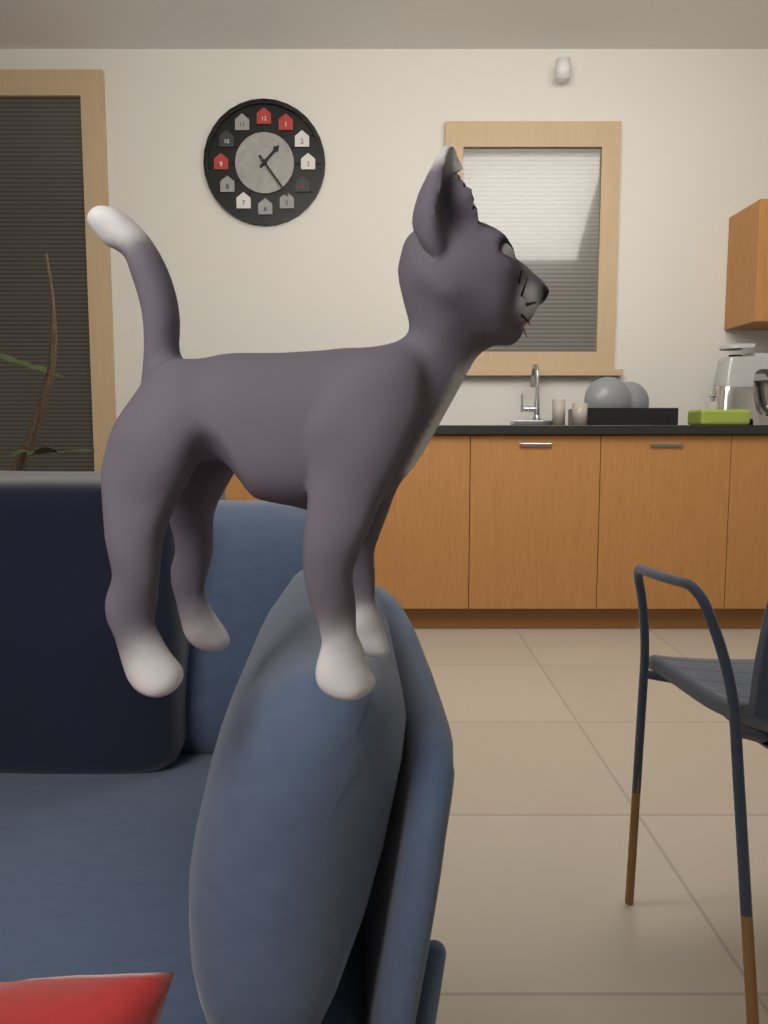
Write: {"hour": 1, "minute": 24}
